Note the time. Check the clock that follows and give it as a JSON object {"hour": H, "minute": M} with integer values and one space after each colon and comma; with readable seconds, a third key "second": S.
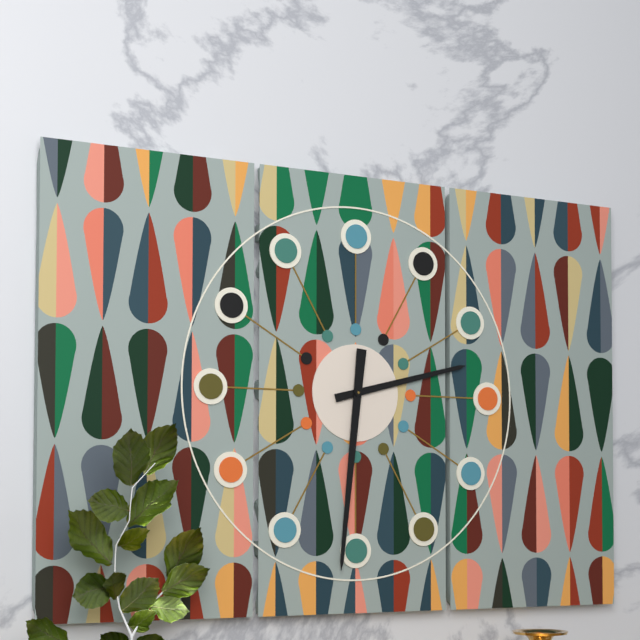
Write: {"hour": 2, "minute": 31}
